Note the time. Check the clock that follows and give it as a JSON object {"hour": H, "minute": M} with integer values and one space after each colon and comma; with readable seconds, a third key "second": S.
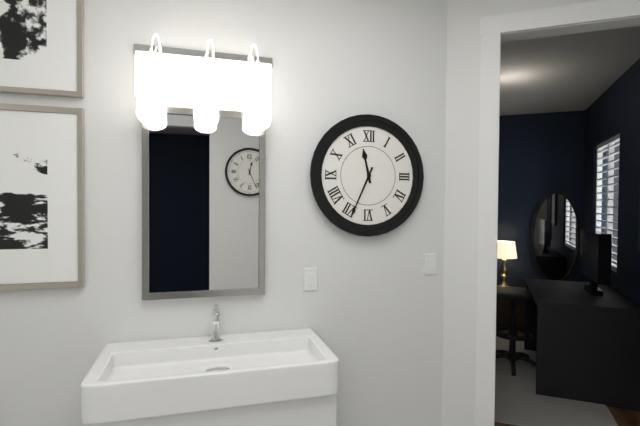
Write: {"hour": 11, "minute": 34}
